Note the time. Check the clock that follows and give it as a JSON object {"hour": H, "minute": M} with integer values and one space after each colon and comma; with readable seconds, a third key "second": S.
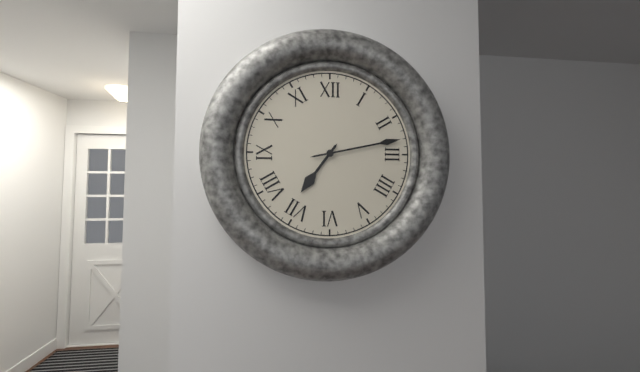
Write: {"hour": 7, "minute": 13}
